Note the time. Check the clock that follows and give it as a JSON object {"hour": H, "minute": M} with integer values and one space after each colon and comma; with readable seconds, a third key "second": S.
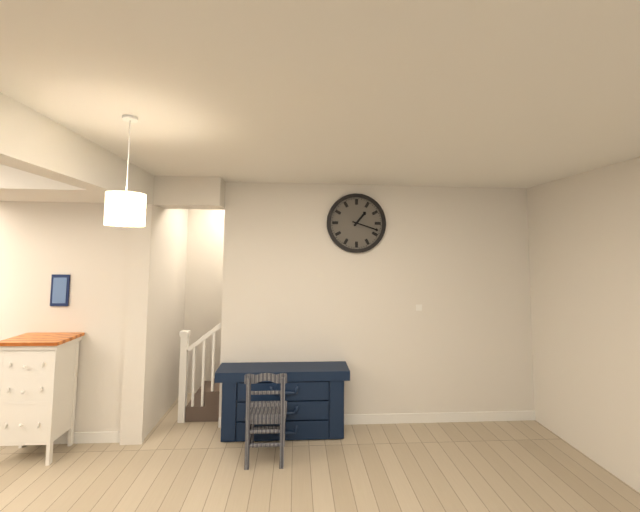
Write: {"hour": 1, "minute": 18}
